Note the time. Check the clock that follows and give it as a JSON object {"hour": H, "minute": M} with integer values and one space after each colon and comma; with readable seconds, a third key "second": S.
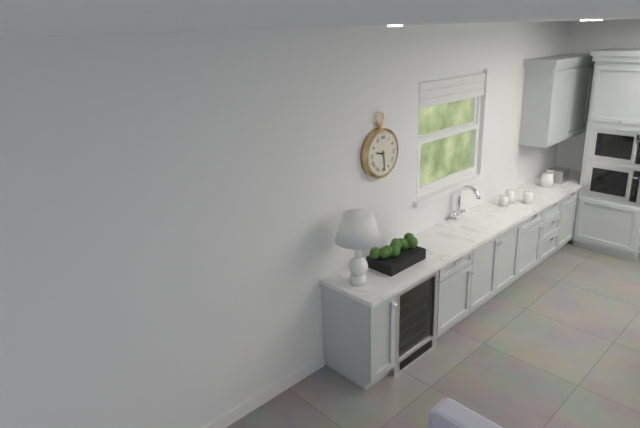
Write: {"hour": 9, "minute": 29}
